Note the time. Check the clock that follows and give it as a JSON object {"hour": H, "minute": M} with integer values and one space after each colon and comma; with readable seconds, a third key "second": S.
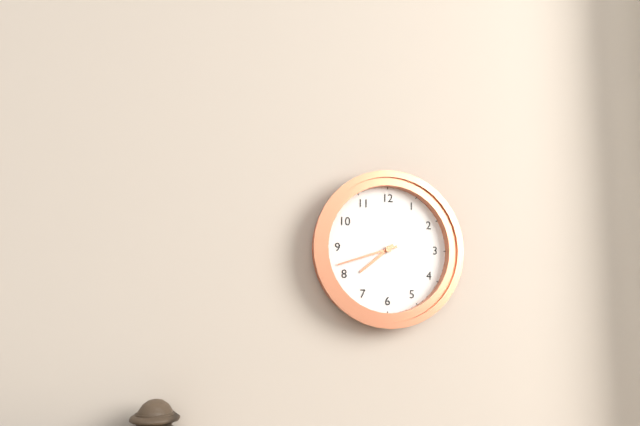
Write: {"hour": 7, "minute": 42}
